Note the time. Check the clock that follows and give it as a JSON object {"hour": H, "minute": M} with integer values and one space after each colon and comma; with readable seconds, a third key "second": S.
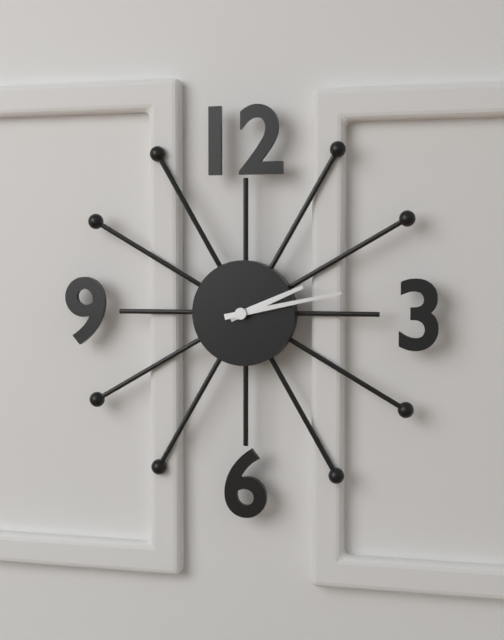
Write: {"hour": 2, "minute": 13}
